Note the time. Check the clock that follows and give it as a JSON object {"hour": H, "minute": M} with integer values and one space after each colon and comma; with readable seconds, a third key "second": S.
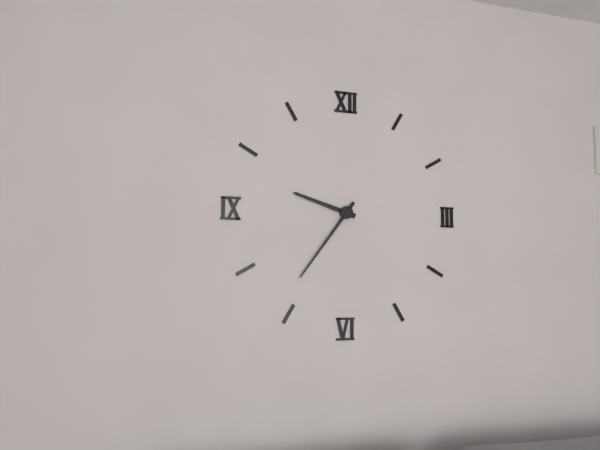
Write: {"hour": 9, "minute": 36}
